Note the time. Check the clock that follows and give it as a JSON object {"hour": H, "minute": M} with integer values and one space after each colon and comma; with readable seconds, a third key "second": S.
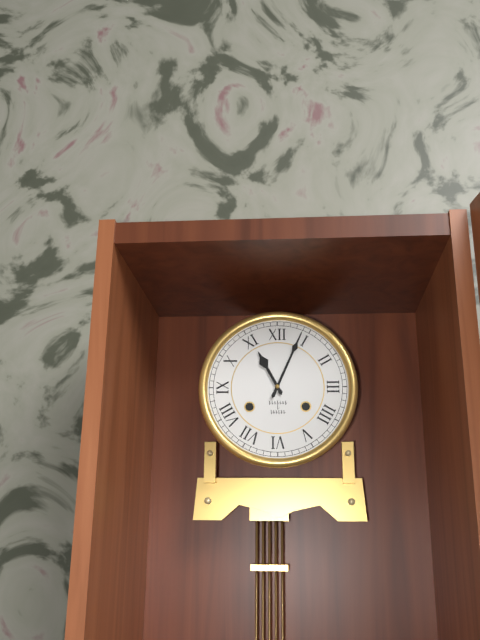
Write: {"hour": 11, "minute": 4}
